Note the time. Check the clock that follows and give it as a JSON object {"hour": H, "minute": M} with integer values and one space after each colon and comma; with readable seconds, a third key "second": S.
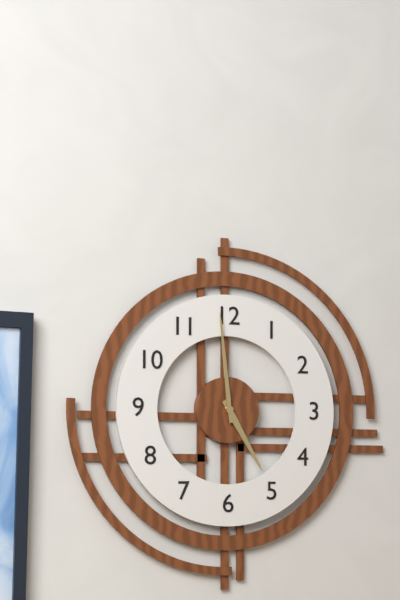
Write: {"hour": 4, "minute": 59}
